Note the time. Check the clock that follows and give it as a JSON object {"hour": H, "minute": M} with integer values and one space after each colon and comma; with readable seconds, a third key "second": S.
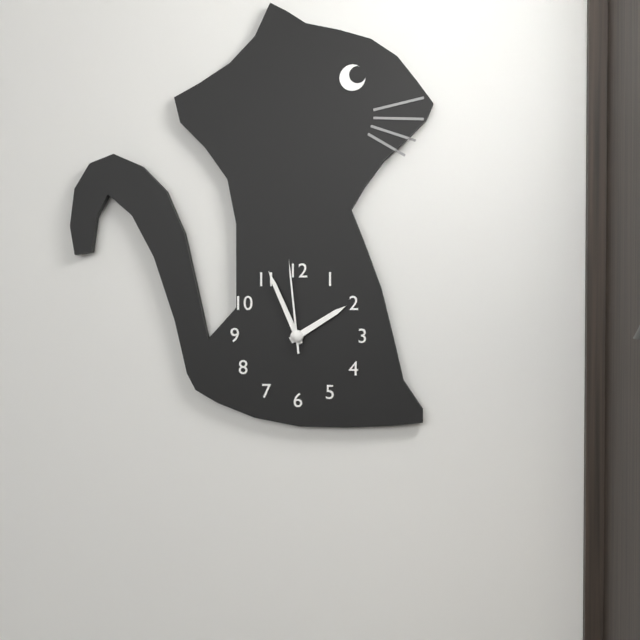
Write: {"hour": 1, "minute": 56, "second": 59}
